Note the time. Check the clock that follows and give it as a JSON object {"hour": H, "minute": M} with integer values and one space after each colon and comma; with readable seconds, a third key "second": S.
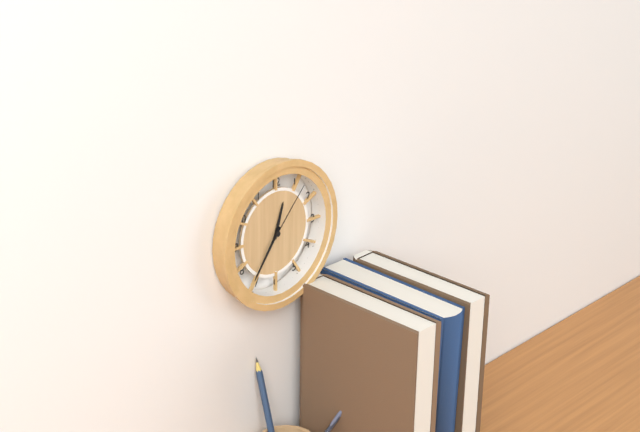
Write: {"hour": 12, "minute": 36, "second": 7}
